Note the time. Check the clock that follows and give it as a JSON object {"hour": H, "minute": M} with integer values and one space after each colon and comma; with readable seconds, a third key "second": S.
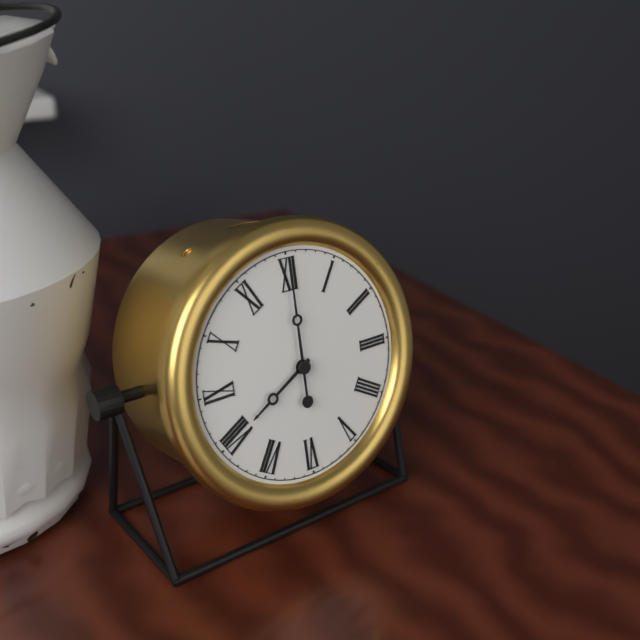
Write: {"hour": 8, "minute": 0}
